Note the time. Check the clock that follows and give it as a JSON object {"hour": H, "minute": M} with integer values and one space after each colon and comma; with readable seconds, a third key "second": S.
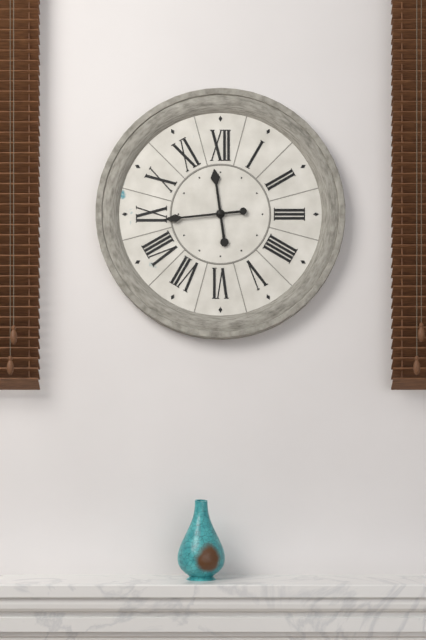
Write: {"hour": 11, "minute": 44}
